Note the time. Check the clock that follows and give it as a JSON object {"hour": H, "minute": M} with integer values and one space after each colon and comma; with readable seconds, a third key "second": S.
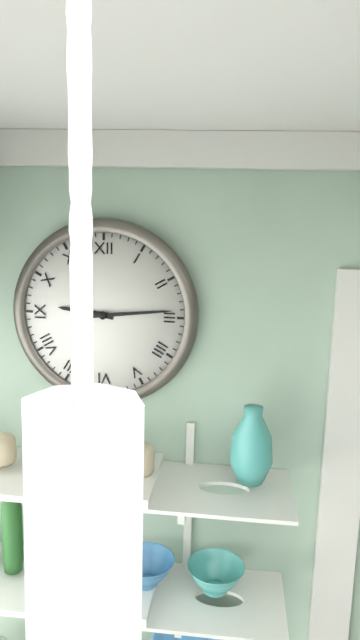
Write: {"hour": 9, "minute": 14}
